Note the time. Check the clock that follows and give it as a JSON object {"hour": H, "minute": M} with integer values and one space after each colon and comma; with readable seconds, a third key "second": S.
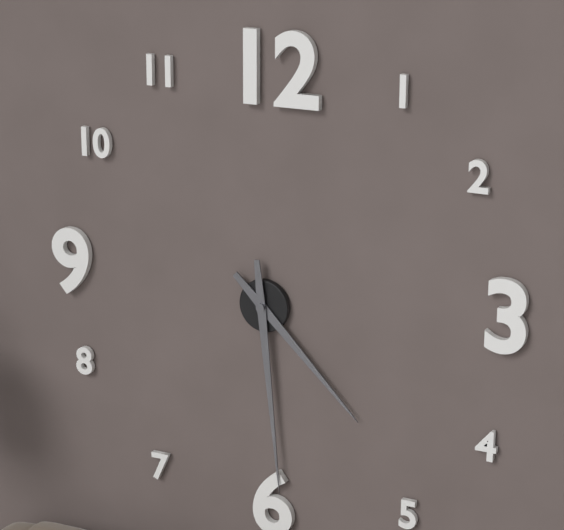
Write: {"hour": 4, "minute": 29}
